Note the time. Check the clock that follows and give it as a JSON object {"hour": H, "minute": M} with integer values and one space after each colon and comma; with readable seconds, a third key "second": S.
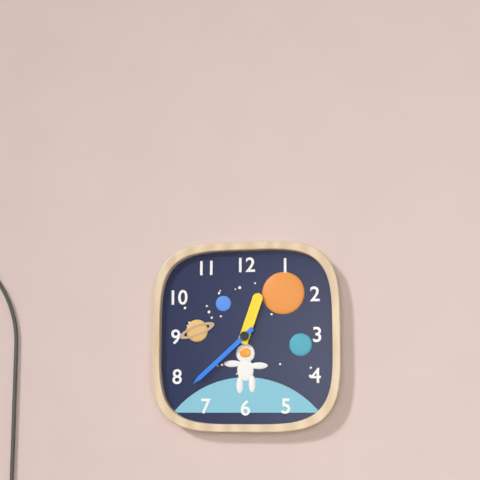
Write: {"hour": 12, "minute": 38}
